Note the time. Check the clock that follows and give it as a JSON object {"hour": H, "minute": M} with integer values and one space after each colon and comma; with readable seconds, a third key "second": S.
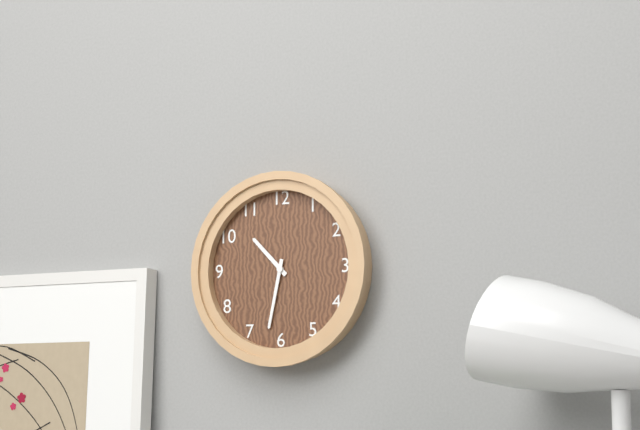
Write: {"hour": 10, "minute": 32}
